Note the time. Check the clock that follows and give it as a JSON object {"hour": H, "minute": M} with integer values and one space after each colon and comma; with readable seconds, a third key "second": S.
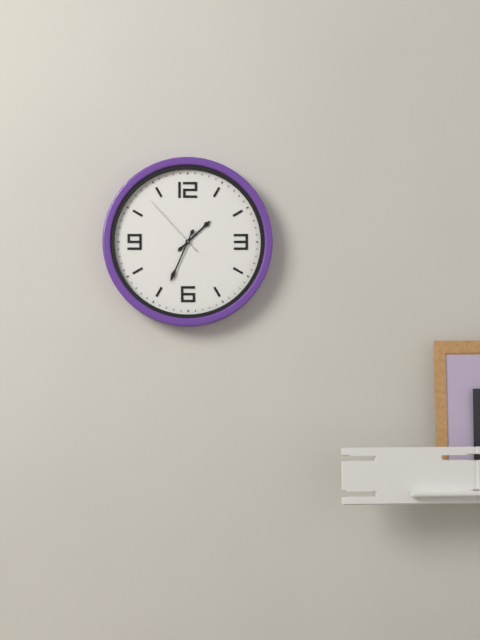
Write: {"hour": 1, "minute": 34, "second": 53}
